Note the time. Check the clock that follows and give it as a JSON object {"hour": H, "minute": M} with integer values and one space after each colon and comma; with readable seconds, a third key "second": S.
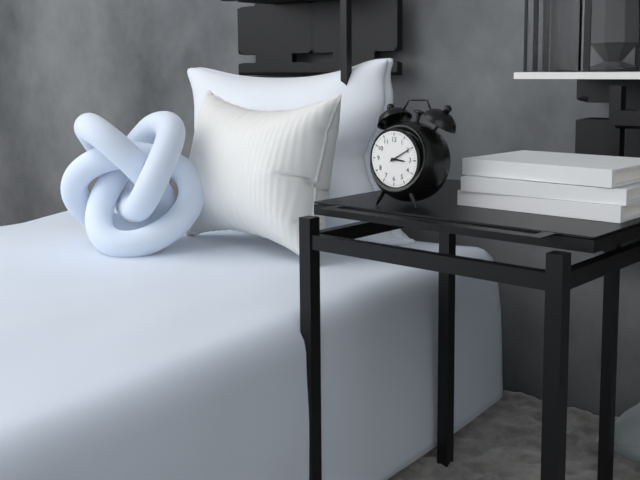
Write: {"hour": 3, "minute": 10}
